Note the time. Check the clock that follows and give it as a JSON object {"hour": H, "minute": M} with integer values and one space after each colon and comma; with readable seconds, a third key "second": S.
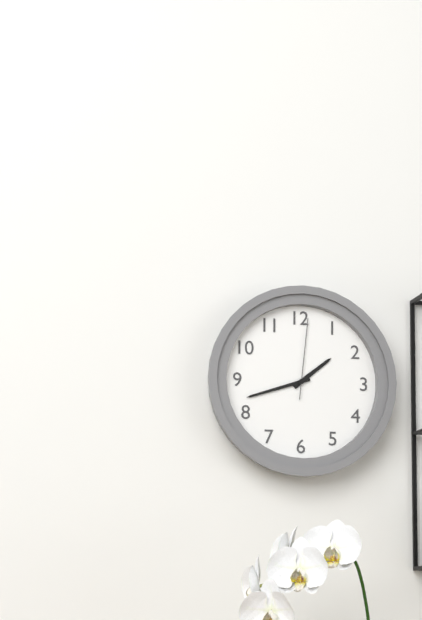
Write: {"hour": 1, "minute": 42, "second": 1}
